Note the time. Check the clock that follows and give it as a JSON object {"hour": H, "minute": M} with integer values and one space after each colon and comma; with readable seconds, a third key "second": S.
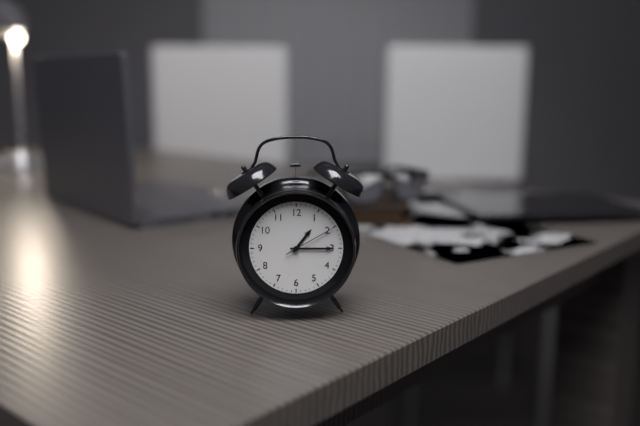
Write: {"hour": 1, "minute": 15, "second": 10}
